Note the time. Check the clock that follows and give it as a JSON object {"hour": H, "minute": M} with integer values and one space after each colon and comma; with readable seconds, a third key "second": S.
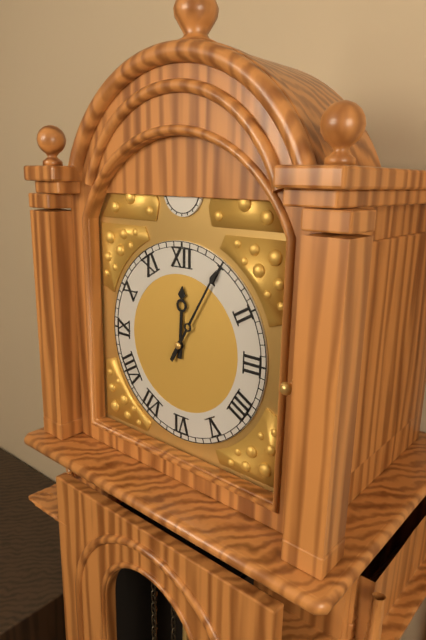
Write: {"hour": 12, "minute": 5}
